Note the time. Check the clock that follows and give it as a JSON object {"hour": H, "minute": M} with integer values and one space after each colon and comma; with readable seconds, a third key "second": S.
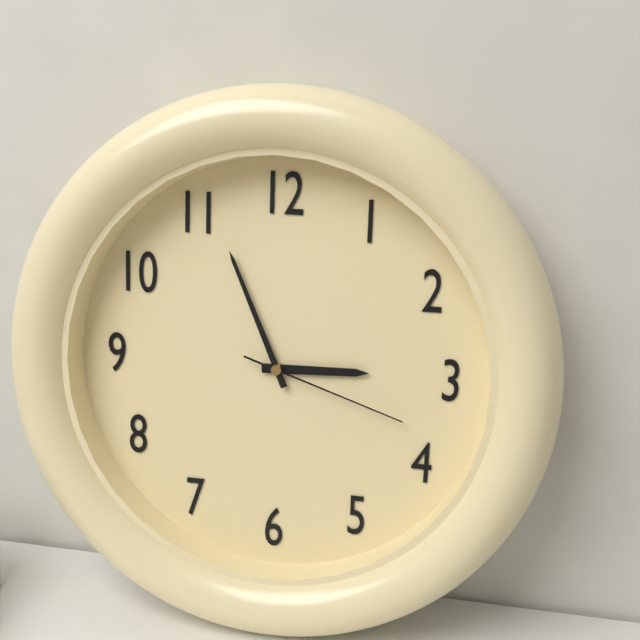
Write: {"hour": 2, "minute": 56, "second": 18}
